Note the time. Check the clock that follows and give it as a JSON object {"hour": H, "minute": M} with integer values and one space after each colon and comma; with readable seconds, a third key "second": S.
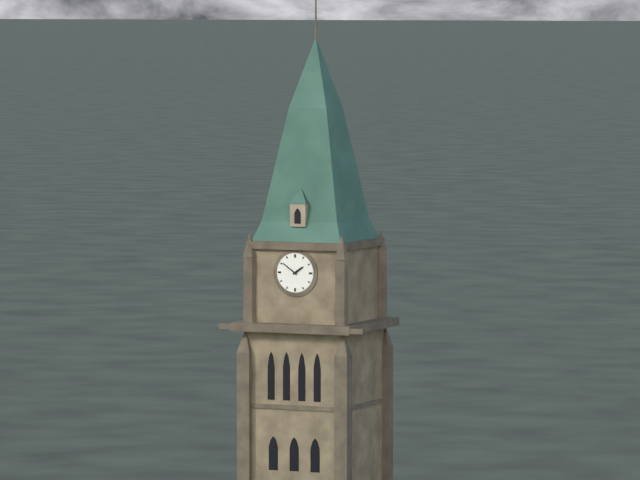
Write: {"hour": 1, "minute": 51}
